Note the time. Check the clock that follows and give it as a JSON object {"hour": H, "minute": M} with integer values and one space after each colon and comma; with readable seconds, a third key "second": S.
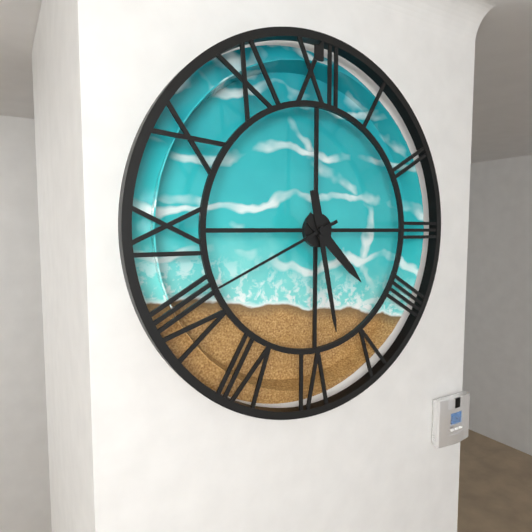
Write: {"hour": 4, "minute": 28, "second": 41}
